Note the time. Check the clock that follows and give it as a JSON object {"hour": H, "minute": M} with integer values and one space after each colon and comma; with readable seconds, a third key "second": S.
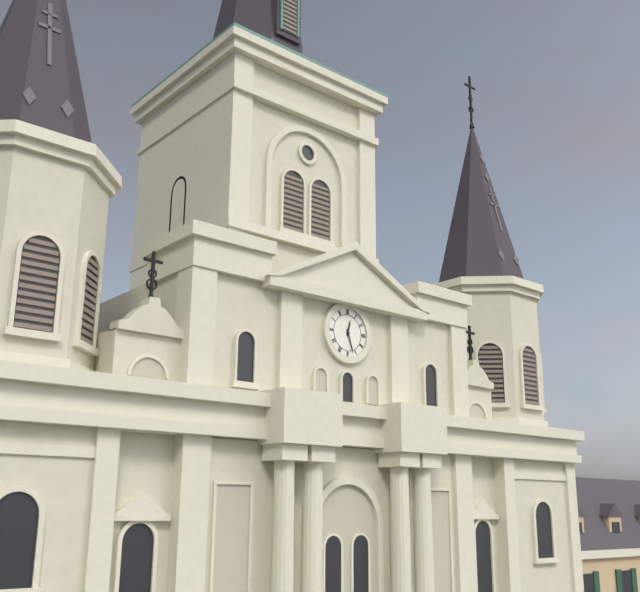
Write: {"hour": 12, "minute": 27}
